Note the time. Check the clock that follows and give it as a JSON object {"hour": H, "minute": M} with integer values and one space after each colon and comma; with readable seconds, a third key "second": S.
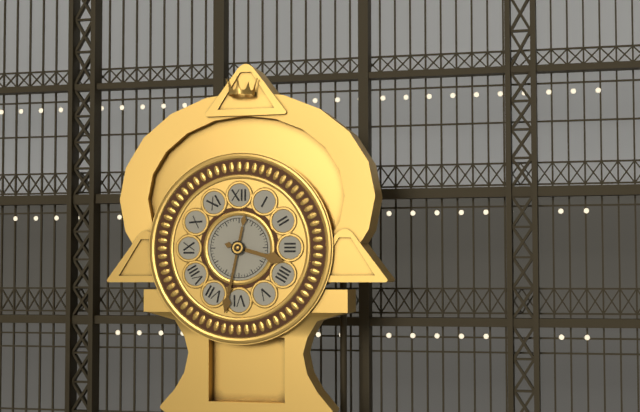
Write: {"hour": 3, "minute": 32}
